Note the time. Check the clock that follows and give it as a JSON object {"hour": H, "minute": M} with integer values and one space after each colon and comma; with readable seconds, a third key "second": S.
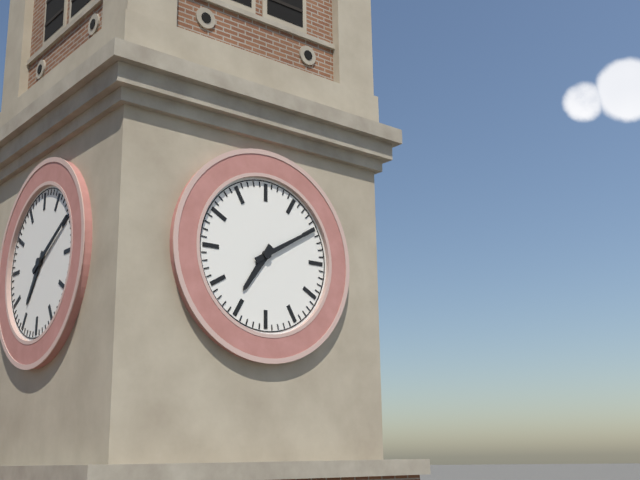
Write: {"hour": 7, "minute": 10}
